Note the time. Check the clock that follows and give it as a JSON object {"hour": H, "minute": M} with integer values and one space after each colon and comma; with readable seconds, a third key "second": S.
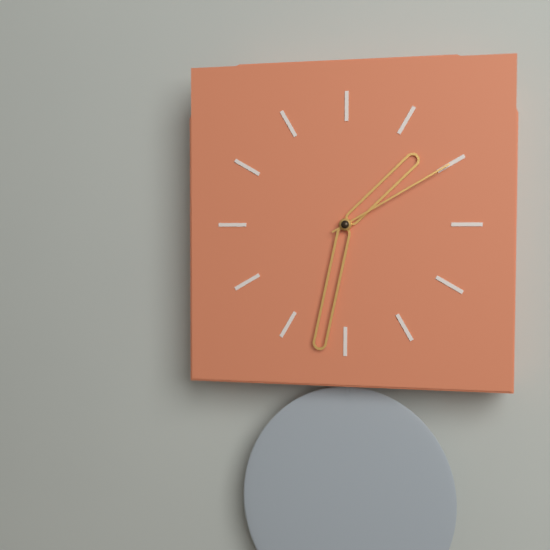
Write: {"hour": 1, "minute": 32, "second": 10}
